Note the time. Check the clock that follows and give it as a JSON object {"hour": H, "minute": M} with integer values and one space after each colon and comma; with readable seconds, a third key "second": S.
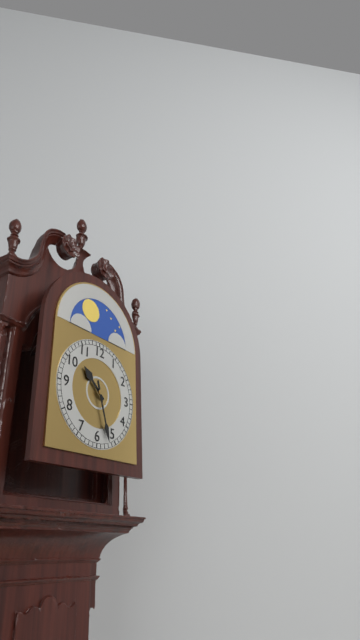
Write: {"hour": 10, "minute": 27}
